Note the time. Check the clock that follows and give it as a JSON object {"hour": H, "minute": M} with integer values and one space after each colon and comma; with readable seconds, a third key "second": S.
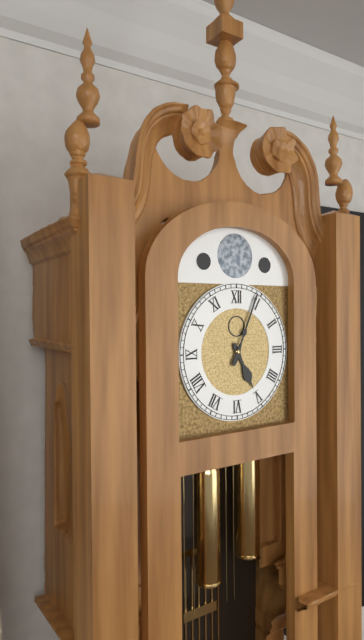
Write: {"hour": 5, "minute": 4}
